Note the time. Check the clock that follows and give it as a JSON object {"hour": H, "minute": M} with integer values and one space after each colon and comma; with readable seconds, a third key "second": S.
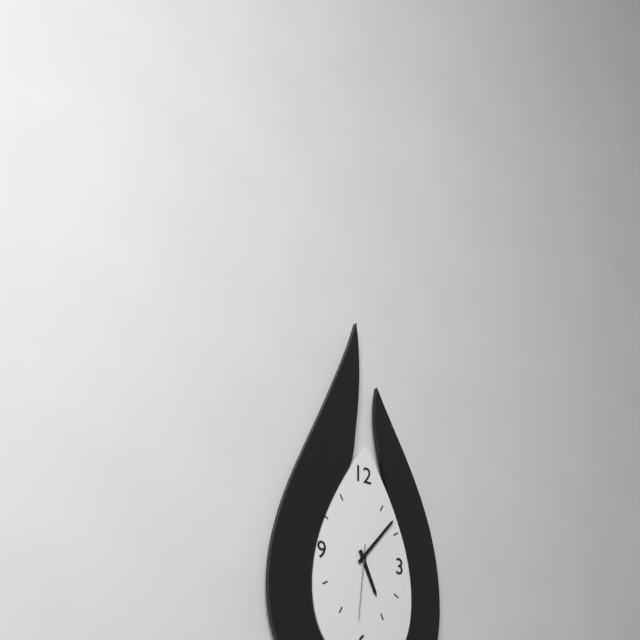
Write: {"hour": 5, "minute": 7, "second": 31}
